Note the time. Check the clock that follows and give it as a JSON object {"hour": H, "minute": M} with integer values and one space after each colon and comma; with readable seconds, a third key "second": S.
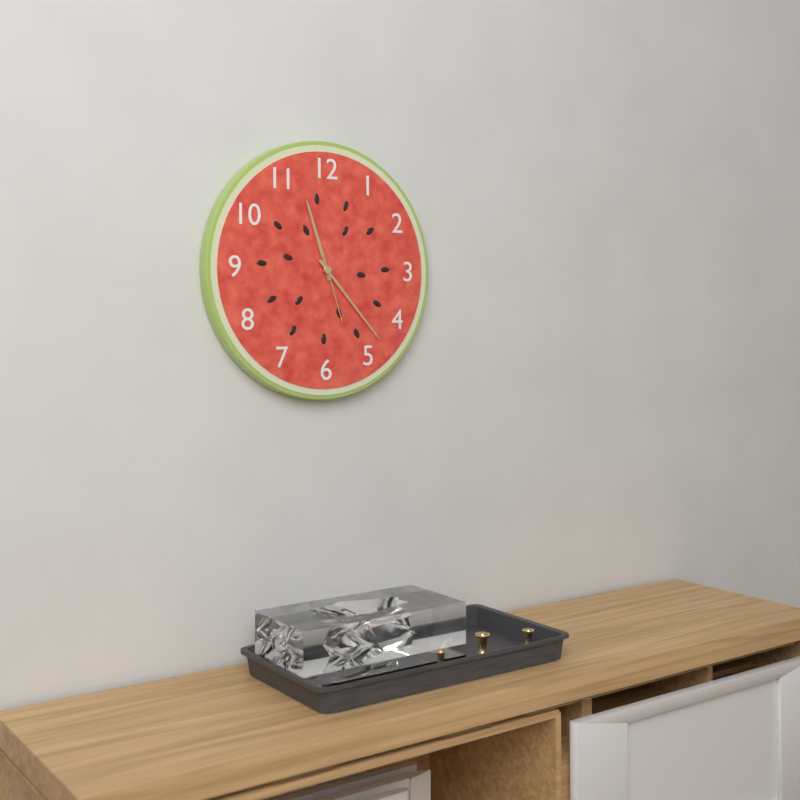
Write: {"hour": 11, "minute": 23, "second": 27}
